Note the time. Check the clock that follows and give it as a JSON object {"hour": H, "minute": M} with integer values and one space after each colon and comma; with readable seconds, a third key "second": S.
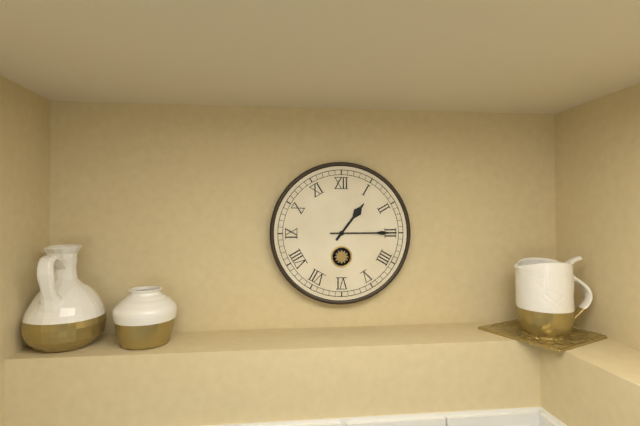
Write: {"hour": 1, "minute": 15}
